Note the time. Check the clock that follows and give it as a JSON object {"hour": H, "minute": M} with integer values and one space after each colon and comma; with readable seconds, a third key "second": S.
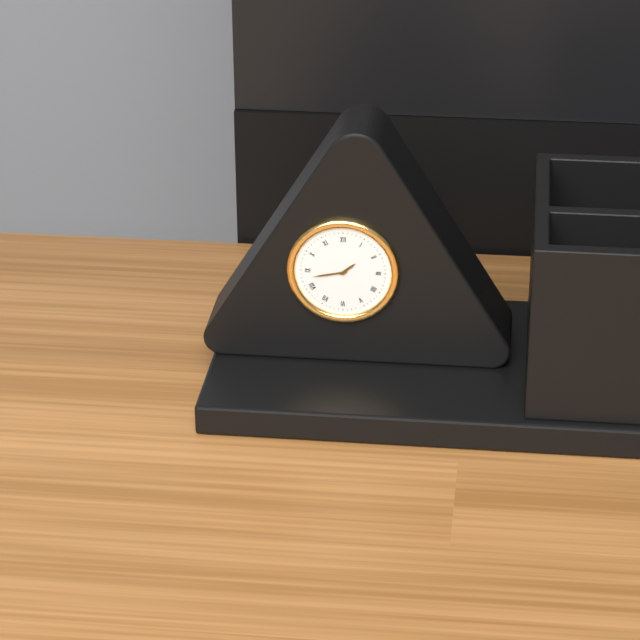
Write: {"hour": 1, "minute": 43}
